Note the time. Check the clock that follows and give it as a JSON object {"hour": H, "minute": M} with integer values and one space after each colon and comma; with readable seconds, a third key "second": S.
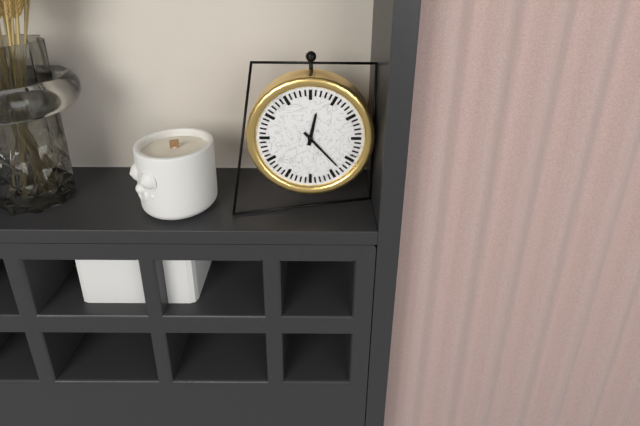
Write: {"hour": 12, "minute": 23}
